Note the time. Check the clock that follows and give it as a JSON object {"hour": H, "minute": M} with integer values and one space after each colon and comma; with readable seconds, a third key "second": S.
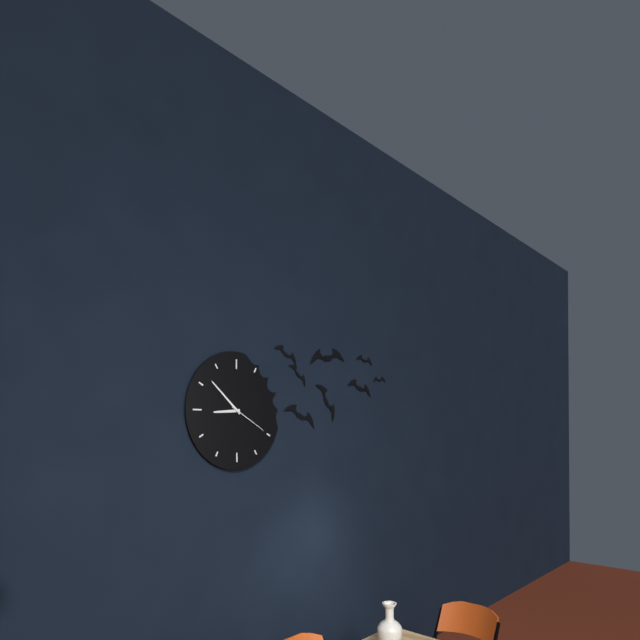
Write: {"hour": 8, "minute": 52}
